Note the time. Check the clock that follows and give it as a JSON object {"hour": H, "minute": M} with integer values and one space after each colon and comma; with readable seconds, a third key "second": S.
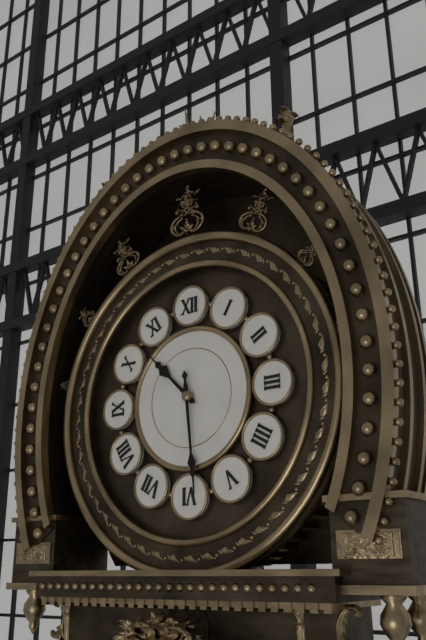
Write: {"hour": 10, "minute": 29}
